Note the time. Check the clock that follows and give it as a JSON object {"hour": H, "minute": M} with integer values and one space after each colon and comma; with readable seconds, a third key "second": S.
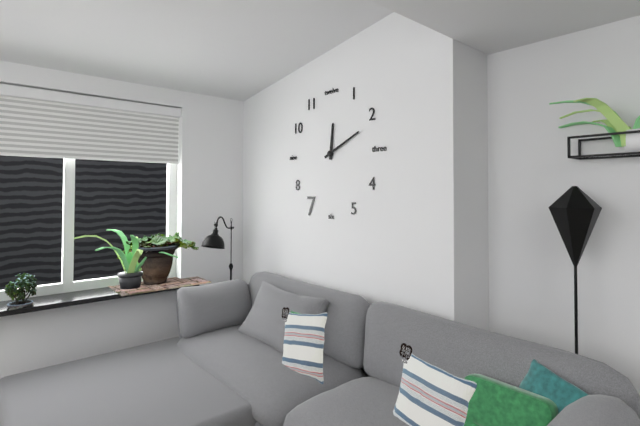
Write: {"hour": 12, "minute": 11}
